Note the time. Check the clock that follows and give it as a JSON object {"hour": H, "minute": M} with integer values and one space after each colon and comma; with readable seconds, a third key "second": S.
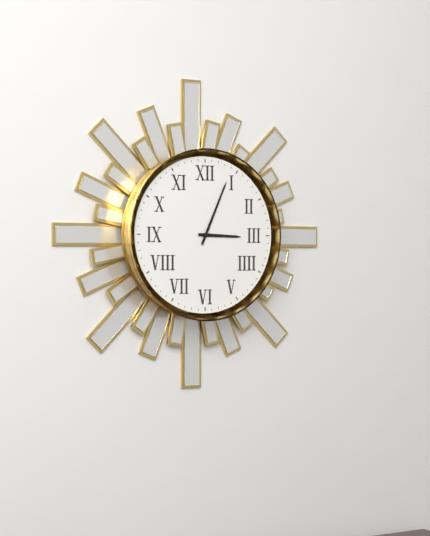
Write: {"hour": 3, "minute": 4}
